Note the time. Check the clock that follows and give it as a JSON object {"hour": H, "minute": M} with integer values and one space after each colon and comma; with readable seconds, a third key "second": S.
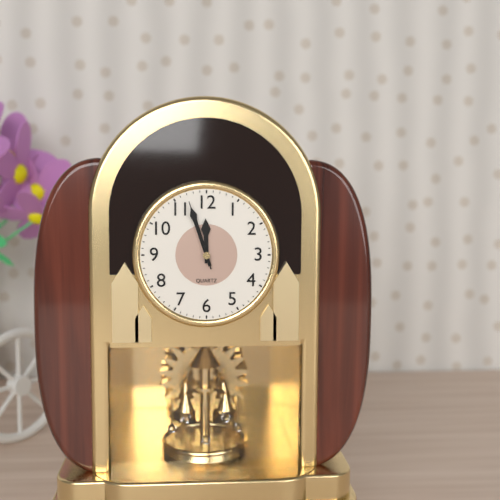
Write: {"hour": 11, "minute": 57, "second": 57}
